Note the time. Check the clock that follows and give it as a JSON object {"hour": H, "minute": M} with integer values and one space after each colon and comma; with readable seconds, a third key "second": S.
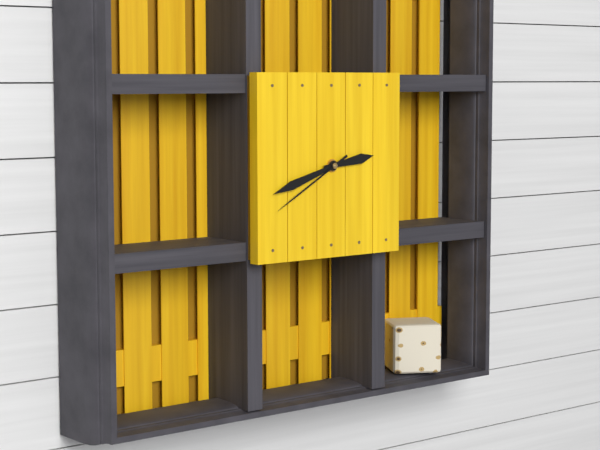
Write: {"hour": 2, "minute": 42, "second": 40}
